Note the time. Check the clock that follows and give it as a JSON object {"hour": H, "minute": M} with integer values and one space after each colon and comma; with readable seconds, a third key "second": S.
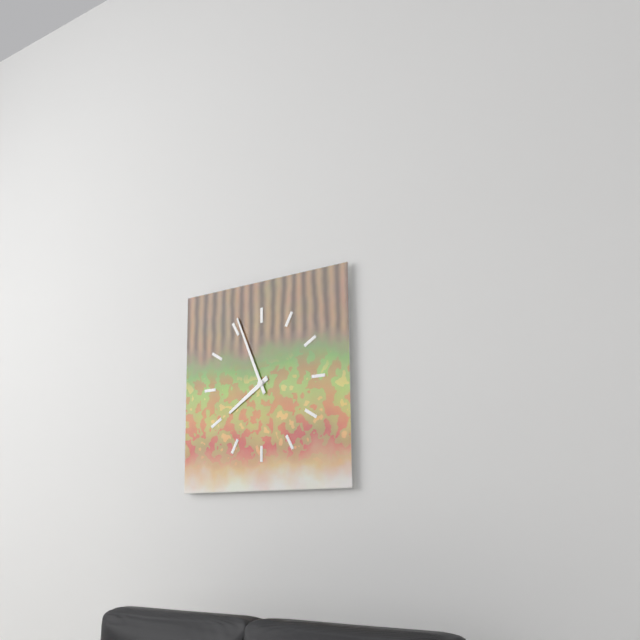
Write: {"hour": 7, "minute": 56}
